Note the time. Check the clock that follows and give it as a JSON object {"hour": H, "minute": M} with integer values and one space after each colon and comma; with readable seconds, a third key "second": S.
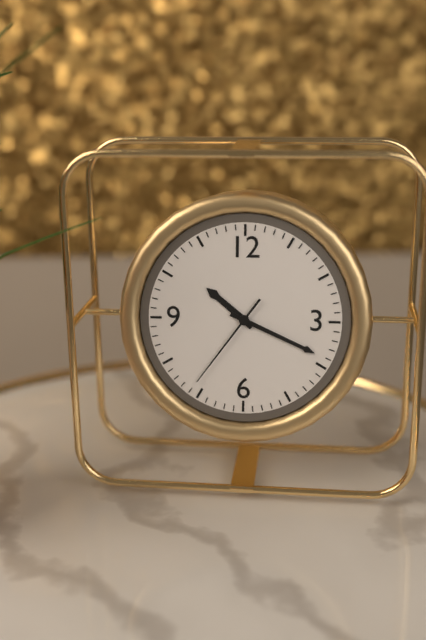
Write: {"hour": 10, "minute": 19, "second": 36}
